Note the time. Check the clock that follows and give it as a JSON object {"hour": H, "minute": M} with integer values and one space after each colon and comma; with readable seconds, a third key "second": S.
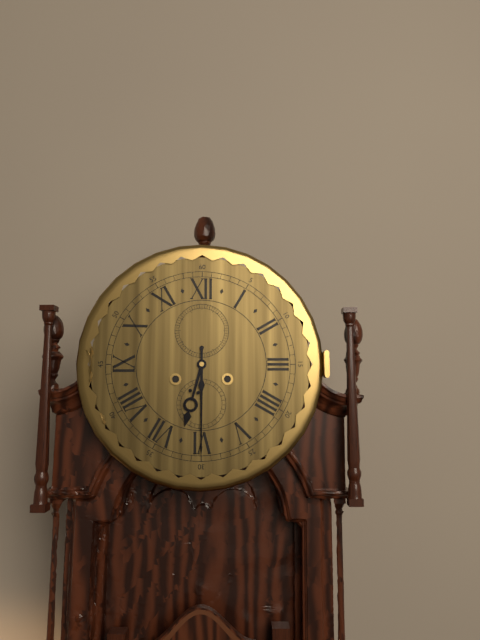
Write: {"hour": 6, "minute": 30}
